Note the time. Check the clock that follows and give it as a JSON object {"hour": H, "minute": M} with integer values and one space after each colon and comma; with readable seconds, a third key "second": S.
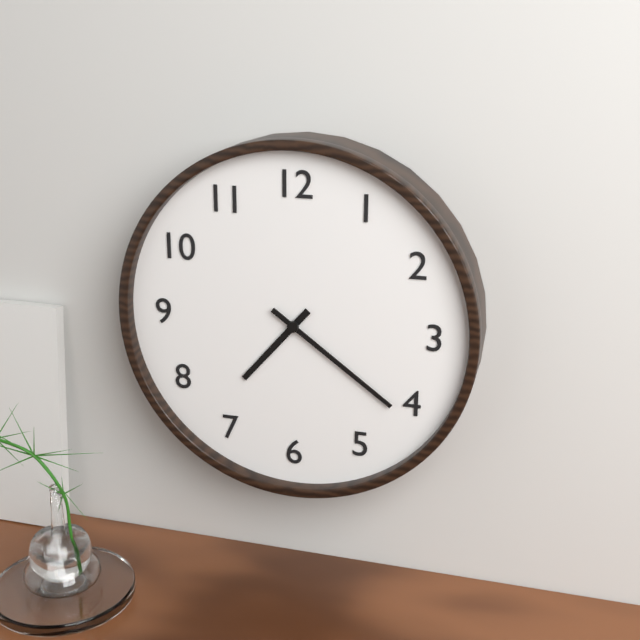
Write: {"hour": 7, "minute": 21}
